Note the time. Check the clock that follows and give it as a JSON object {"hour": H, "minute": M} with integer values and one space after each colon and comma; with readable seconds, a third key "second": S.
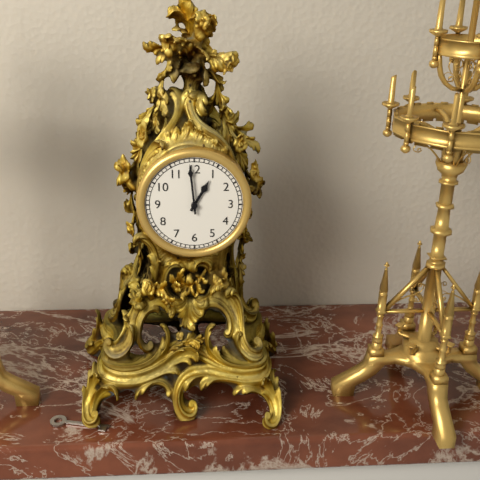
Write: {"hour": 12, "minute": 59}
